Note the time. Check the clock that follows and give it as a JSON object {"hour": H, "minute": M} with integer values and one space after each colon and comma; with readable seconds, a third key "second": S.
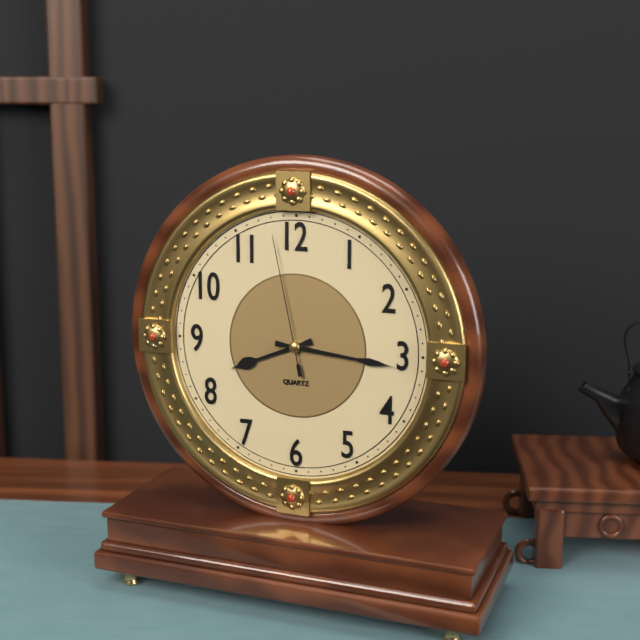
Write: {"hour": 8, "minute": 16, "second": 58}
